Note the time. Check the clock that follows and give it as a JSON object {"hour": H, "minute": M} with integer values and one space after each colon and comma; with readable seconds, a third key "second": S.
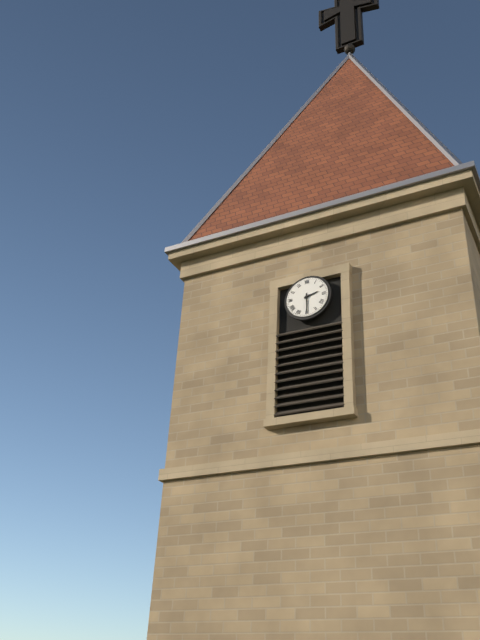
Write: {"hour": 2, "minute": 30}
